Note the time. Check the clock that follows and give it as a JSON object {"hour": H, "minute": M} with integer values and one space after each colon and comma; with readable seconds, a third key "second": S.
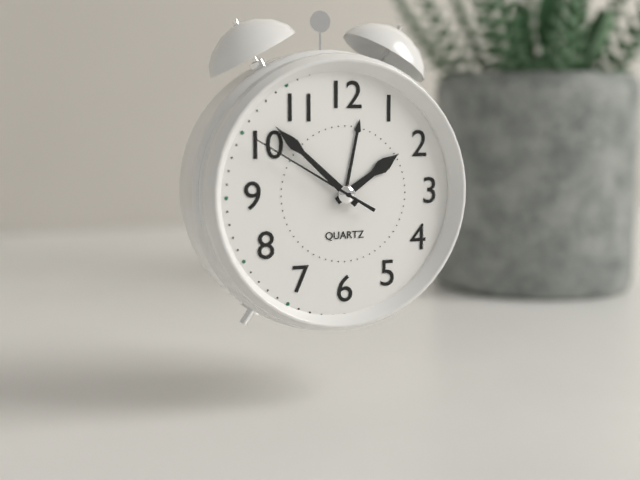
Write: {"hour": 1, "minute": 52, "second": 50}
